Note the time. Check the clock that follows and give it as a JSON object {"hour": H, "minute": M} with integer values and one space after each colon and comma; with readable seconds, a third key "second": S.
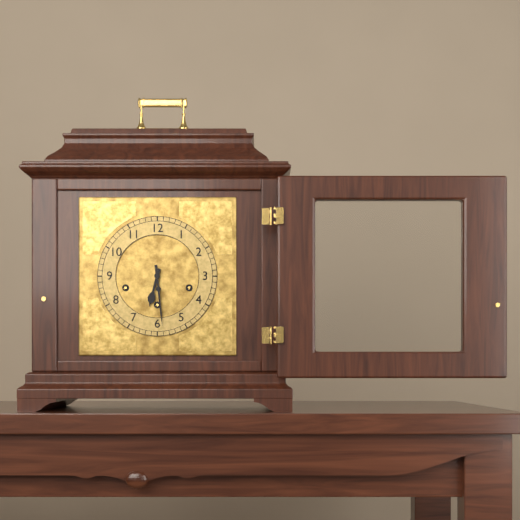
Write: {"hour": 6, "minute": 29}
